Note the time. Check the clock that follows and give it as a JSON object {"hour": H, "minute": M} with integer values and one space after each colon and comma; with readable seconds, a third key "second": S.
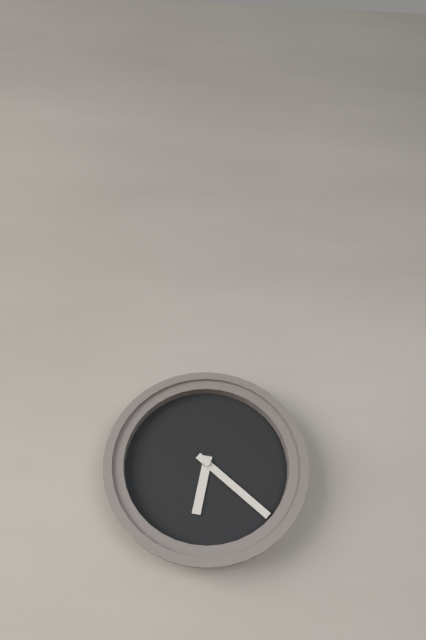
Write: {"hour": 6, "minute": 22}
